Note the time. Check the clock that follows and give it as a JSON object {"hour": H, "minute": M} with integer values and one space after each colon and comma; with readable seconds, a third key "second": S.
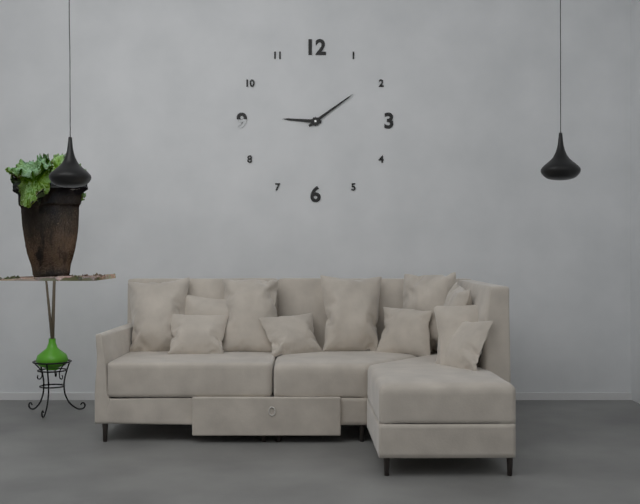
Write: {"hour": 9, "minute": 9}
